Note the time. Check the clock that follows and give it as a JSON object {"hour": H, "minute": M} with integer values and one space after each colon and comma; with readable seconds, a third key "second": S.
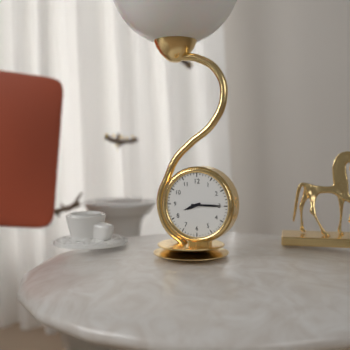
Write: {"hour": 8, "minute": 15}
